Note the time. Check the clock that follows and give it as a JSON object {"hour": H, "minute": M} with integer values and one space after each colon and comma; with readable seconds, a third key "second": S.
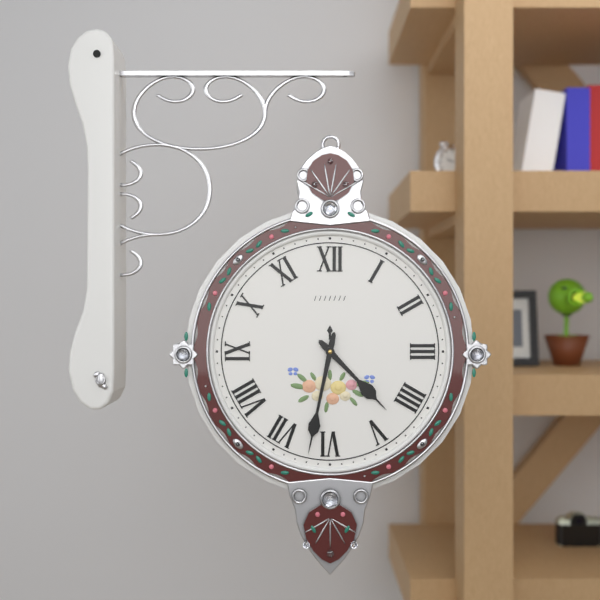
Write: {"hour": 4, "minute": 32}
